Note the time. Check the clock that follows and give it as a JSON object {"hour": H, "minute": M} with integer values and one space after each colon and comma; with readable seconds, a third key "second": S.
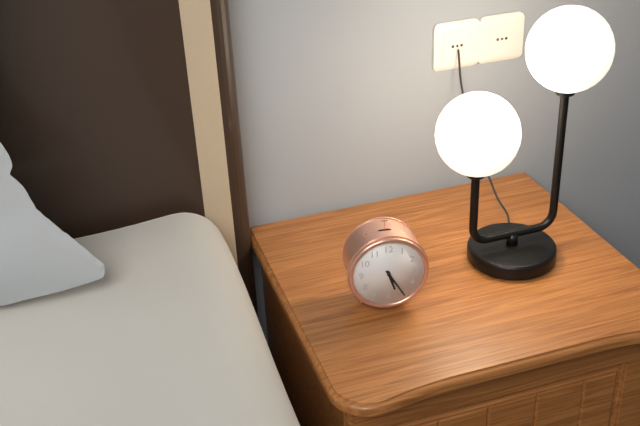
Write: {"hour": 5, "minute": 25}
